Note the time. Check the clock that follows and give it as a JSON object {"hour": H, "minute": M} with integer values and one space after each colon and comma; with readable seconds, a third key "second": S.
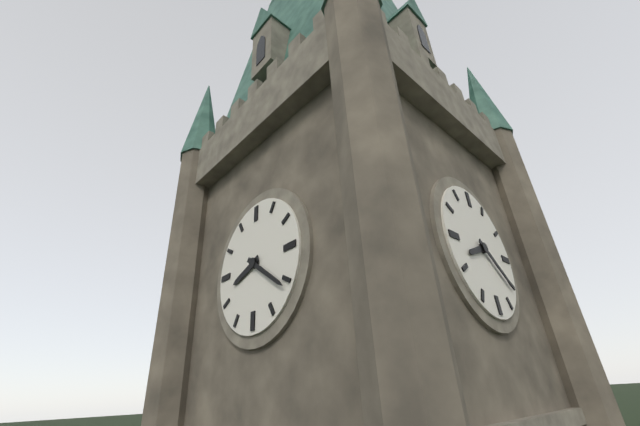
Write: {"hour": 8, "minute": 21}
